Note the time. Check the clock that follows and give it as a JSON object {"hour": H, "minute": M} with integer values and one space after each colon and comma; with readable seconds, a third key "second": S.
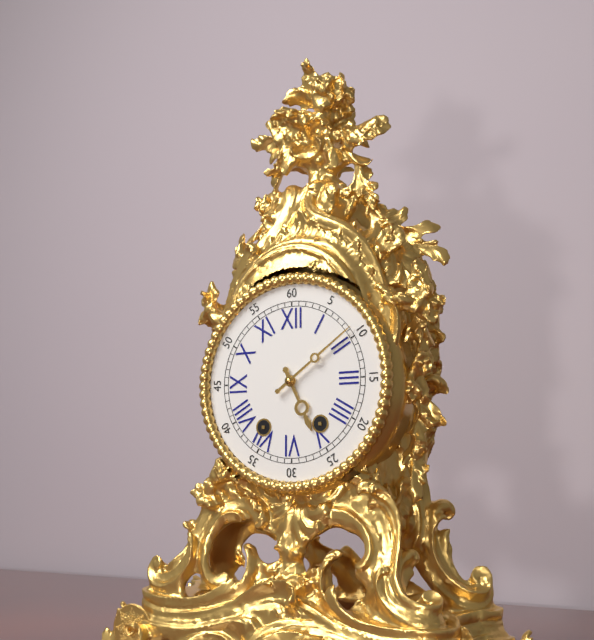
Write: {"hour": 5, "minute": 9}
